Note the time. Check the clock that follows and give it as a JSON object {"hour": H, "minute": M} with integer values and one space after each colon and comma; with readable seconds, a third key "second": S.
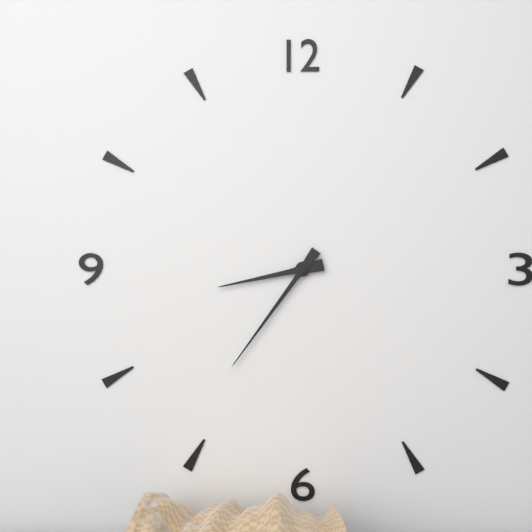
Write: {"hour": 8, "minute": 36}
